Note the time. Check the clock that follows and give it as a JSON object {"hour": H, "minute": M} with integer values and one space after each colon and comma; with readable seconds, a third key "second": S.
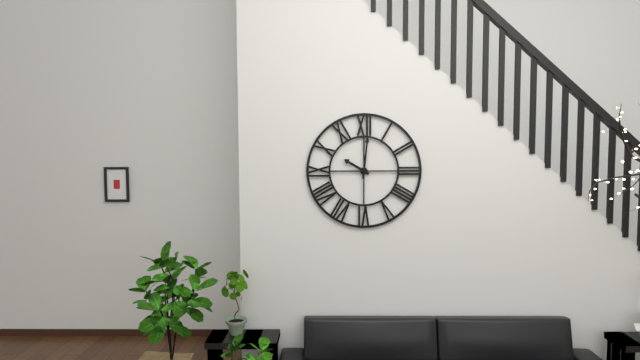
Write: {"hour": 10, "minute": 1}
